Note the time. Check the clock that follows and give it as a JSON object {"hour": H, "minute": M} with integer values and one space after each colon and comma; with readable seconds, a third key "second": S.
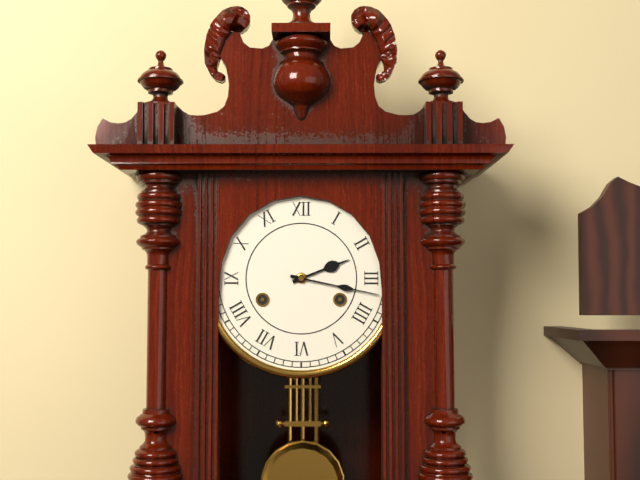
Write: {"hour": 2, "minute": 17}
